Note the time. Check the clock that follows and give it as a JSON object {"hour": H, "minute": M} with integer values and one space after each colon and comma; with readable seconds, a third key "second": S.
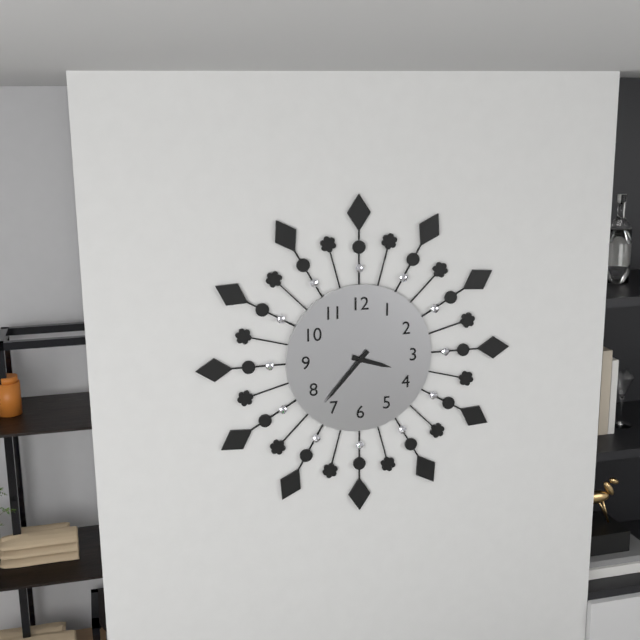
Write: {"hour": 3, "minute": 37}
